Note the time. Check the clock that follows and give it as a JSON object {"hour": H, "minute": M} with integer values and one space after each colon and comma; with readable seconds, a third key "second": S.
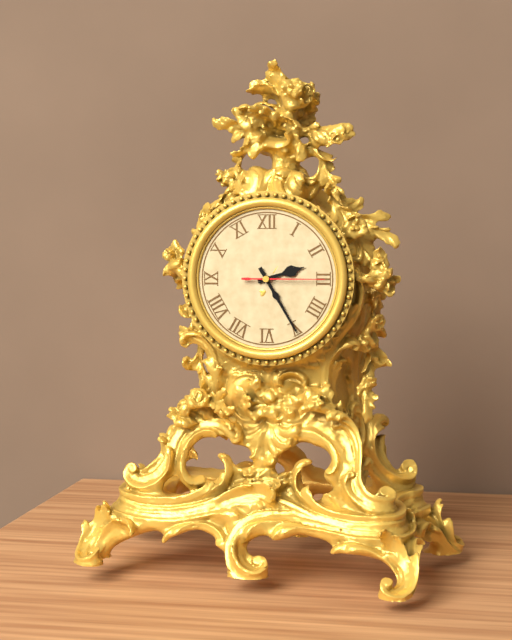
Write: {"hour": 2, "minute": 25, "second": 15}
